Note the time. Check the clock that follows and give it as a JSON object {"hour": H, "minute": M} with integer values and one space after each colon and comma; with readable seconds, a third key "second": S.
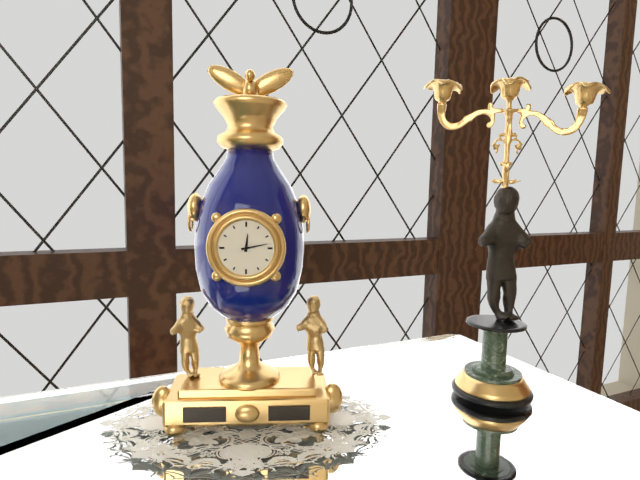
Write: {"hour": 12, "minute": 13}
